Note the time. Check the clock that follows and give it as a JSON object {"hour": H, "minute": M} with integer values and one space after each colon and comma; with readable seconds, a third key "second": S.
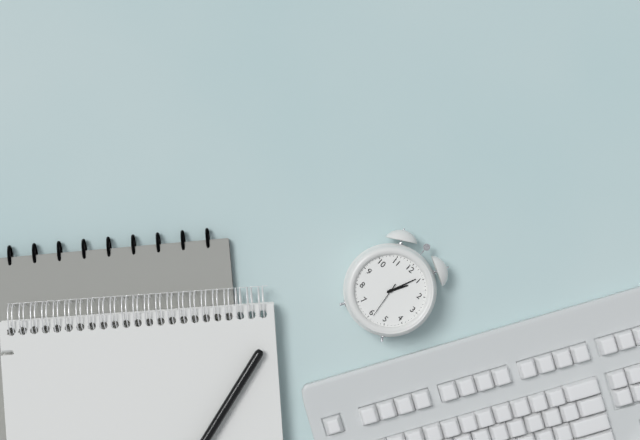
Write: {"hour": 1, "minute": 4}
